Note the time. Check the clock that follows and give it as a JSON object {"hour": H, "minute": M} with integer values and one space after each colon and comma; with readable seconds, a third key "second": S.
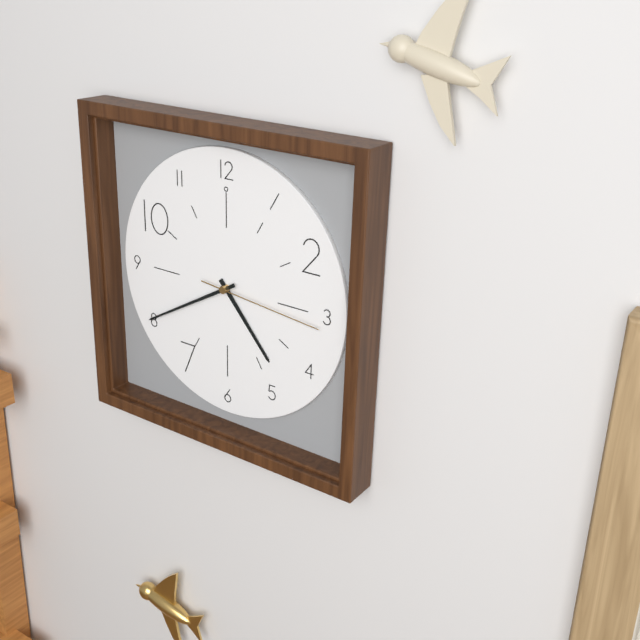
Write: {"hour": 4, "minute": 40, "second": 16}
